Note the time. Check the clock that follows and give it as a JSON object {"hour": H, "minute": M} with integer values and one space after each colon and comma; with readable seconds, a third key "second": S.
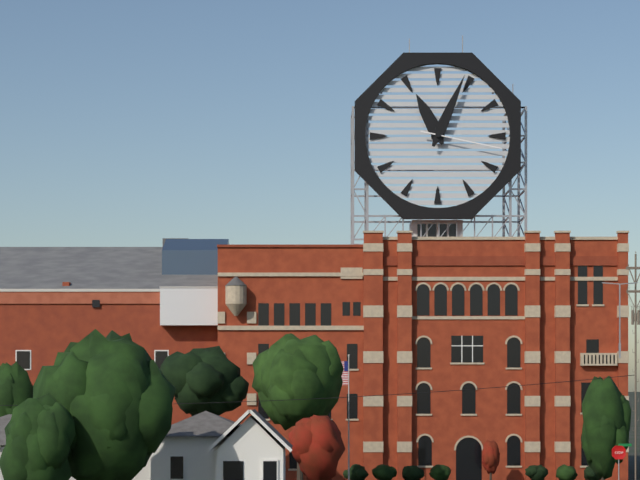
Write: {"hour": 11, "minute": 4, "second": 17}
